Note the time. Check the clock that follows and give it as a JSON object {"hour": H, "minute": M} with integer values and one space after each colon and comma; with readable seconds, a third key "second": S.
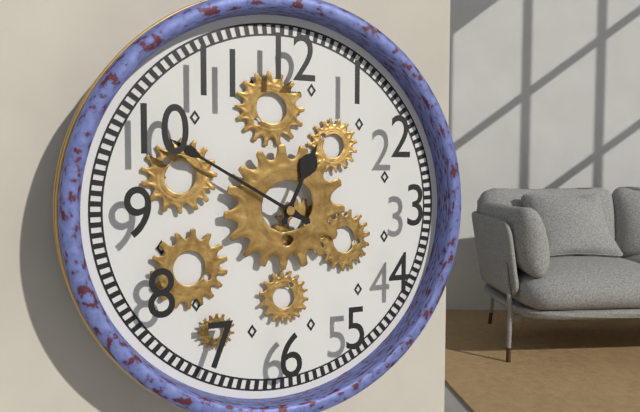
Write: {"hour": 12, "minute": 50}
